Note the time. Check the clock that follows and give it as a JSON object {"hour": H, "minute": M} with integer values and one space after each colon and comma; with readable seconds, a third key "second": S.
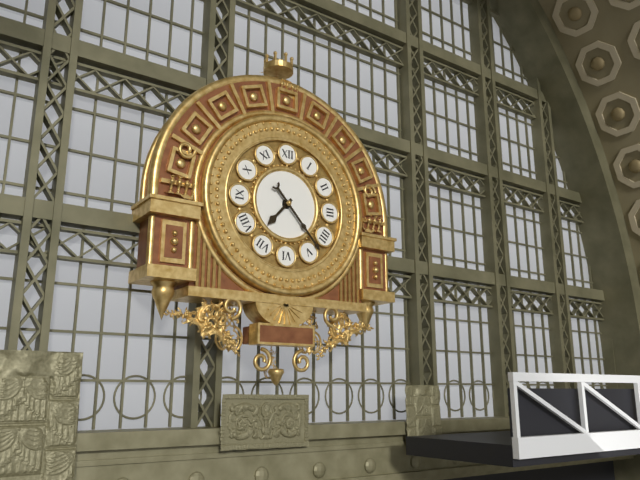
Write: {"hour": 7, "minute": 23}
